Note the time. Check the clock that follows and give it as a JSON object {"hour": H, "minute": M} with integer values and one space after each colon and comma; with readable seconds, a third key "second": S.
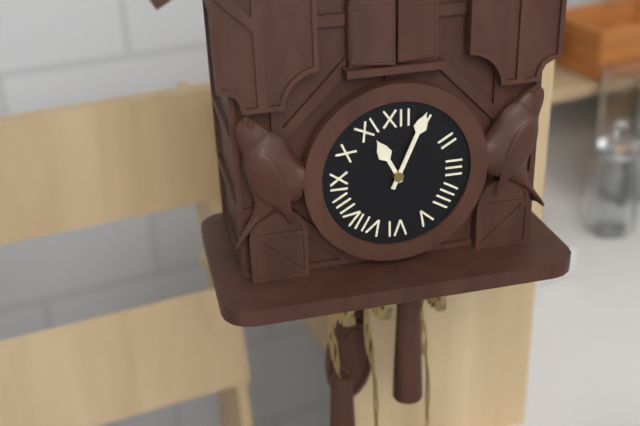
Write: {"hour": 11, "minute": 4}
